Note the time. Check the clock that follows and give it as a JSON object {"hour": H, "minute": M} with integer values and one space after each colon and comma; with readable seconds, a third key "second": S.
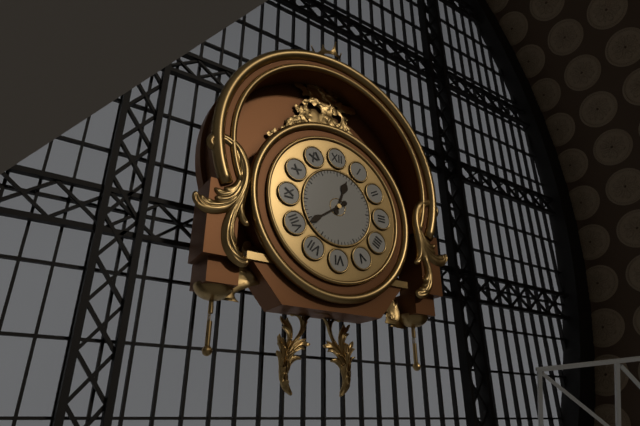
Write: {"hour": 12, "minute": 39}
